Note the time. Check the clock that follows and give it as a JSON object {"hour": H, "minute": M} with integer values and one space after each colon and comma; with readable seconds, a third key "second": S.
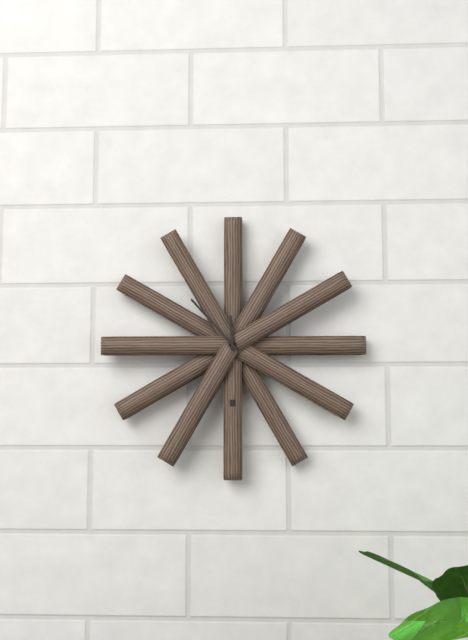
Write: {"hour": 11, "minute": 53}
